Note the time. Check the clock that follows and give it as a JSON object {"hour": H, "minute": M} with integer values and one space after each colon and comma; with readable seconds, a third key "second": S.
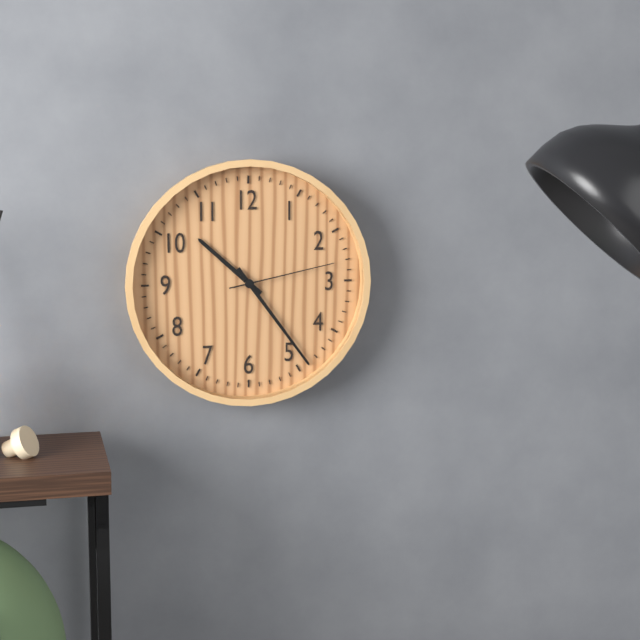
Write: {"hour": 10, "minute": 24, "second": 13}
